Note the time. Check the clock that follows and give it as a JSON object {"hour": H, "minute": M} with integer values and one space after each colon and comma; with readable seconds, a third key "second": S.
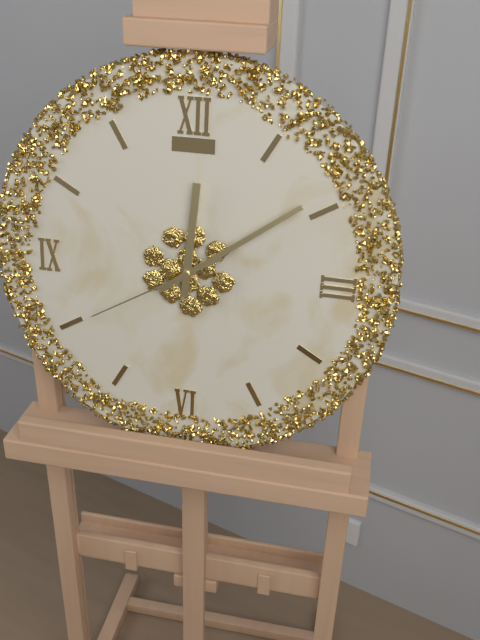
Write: {"hour": 12, "minute": 9, "second": 40}
